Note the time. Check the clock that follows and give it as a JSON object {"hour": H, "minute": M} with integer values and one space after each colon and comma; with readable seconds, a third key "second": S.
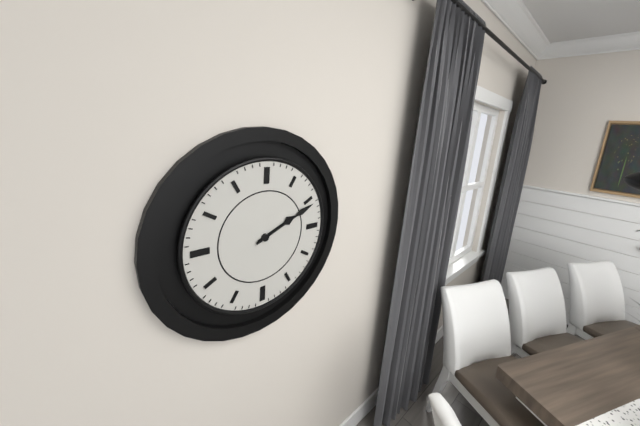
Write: {"hour": 2, "minute": 11}
